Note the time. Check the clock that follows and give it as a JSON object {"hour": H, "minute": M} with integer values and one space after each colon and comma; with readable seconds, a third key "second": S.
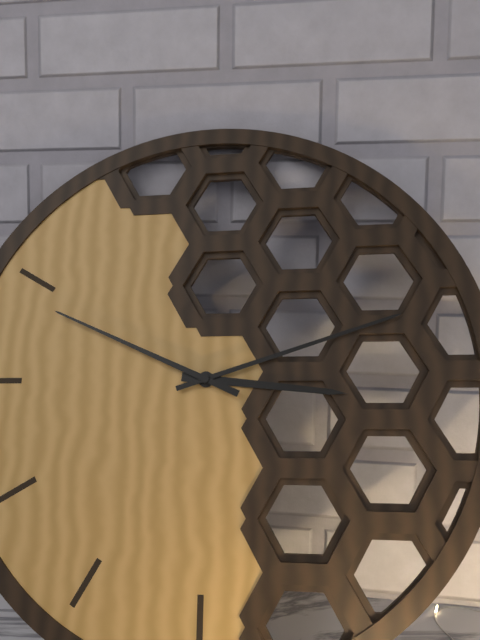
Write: {"hour": 3, "minute": 12, "second": 49}
